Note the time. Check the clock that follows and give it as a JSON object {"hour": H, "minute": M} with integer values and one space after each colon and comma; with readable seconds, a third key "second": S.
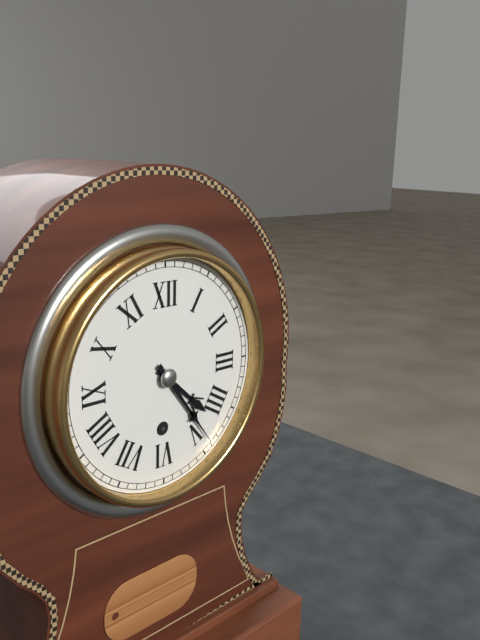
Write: {"hour": 4, "minute": 24}
